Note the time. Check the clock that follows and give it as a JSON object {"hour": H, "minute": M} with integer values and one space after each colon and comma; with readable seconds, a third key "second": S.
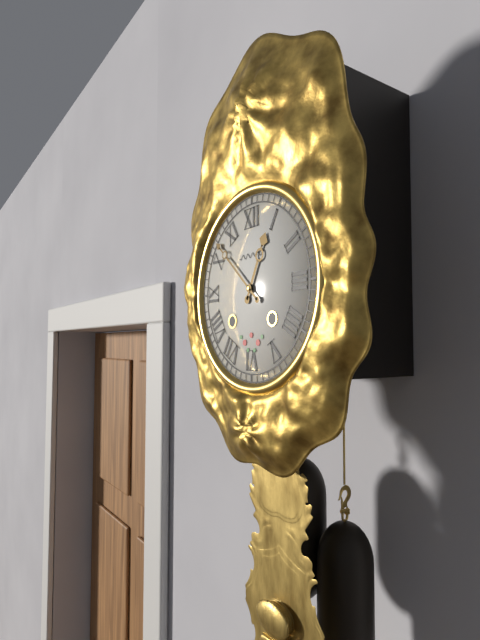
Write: {"hour": 12, "minute": 52}
